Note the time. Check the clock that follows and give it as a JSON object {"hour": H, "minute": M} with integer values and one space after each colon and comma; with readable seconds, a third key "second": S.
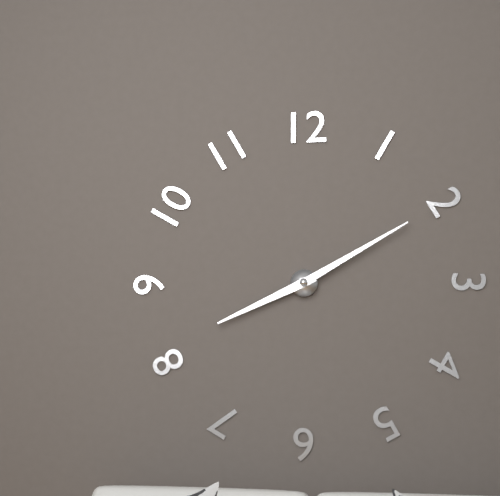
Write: {"hour": 8, "minute": 10}
